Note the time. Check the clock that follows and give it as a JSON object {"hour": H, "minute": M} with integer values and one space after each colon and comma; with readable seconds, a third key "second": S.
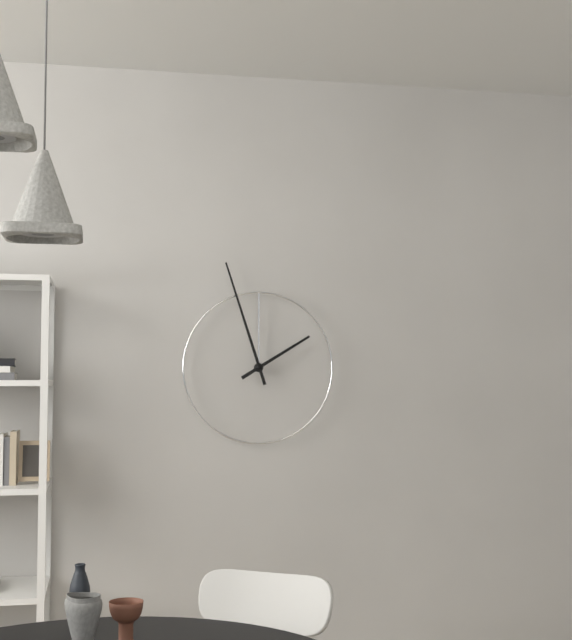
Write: {"hour": 1, "minute": 57}
